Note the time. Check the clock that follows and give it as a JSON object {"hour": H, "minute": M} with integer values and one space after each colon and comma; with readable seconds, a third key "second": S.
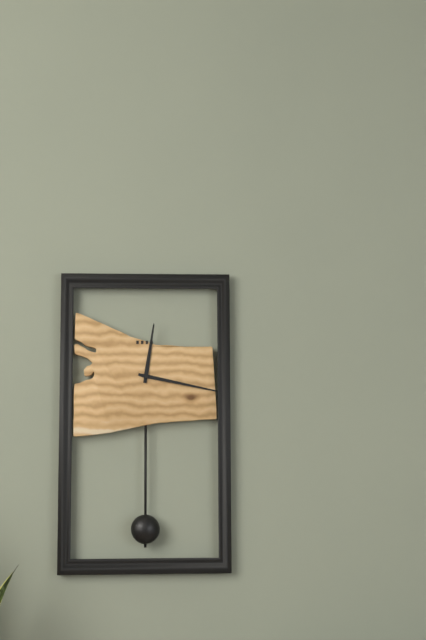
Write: {"hour": 12, "minute": 17}
